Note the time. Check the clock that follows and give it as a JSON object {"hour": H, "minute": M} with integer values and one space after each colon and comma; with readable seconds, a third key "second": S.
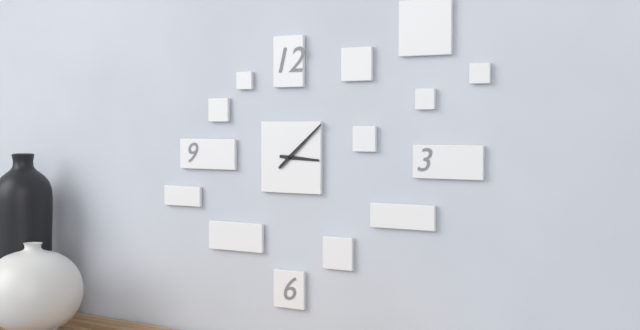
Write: {"hour": 3, "minute": 8}
